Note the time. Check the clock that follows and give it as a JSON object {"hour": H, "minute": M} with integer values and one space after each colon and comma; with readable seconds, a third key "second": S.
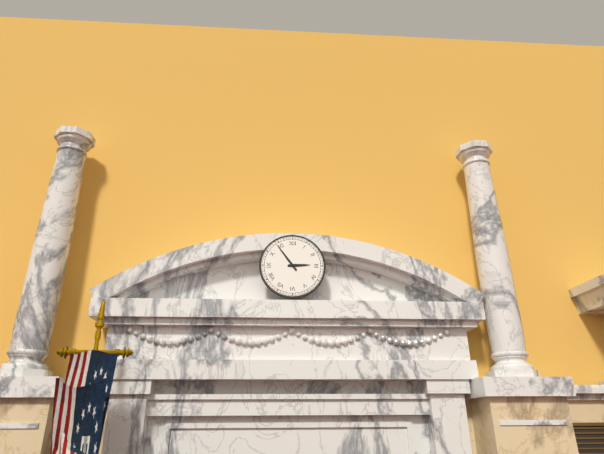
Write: {"hour": 2, "minute": 54}
